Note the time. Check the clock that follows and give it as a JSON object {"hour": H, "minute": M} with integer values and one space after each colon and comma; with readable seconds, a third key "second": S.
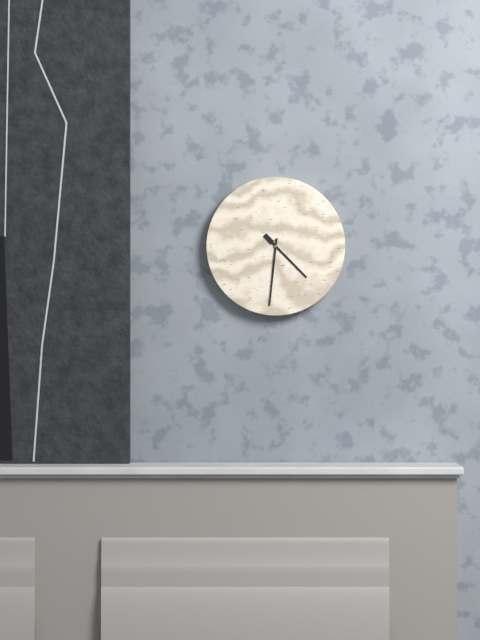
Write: {"hour": 4, "minute": 31}
